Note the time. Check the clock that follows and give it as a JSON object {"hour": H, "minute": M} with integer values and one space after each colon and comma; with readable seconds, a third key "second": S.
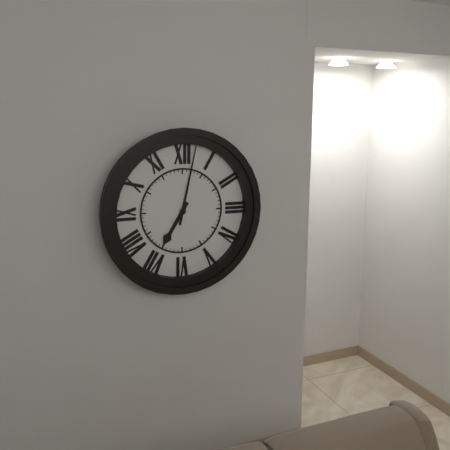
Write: {"hour": 7, "minute": 2}
